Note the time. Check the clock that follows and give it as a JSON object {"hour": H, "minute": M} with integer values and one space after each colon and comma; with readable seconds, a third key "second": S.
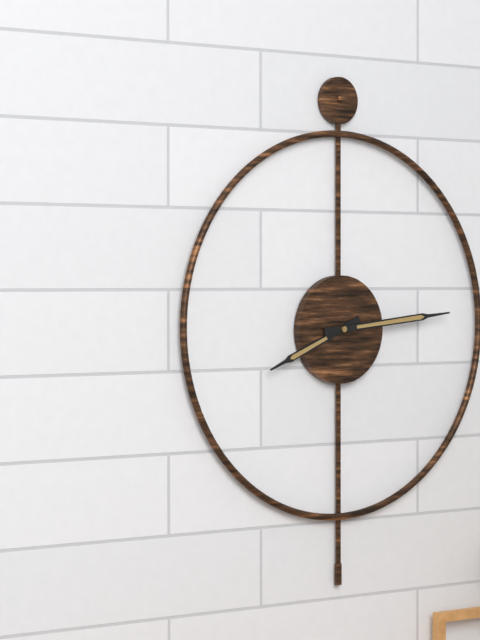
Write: {"hour": 8, "minute": 14}
